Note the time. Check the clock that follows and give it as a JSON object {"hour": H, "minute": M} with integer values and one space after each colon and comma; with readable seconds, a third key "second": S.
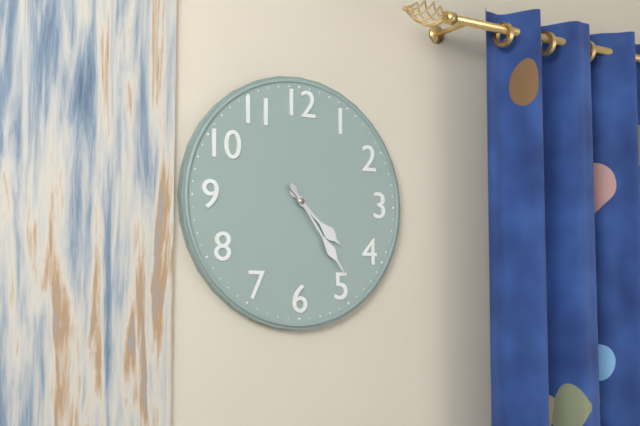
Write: {"hour": 4, "minute": 24}
